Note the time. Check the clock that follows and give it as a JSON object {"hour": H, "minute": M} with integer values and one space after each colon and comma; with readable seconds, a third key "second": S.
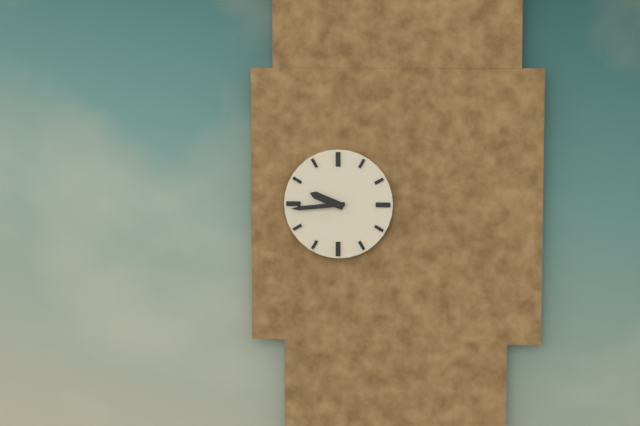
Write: {"hour": 9, "minute": 44}
